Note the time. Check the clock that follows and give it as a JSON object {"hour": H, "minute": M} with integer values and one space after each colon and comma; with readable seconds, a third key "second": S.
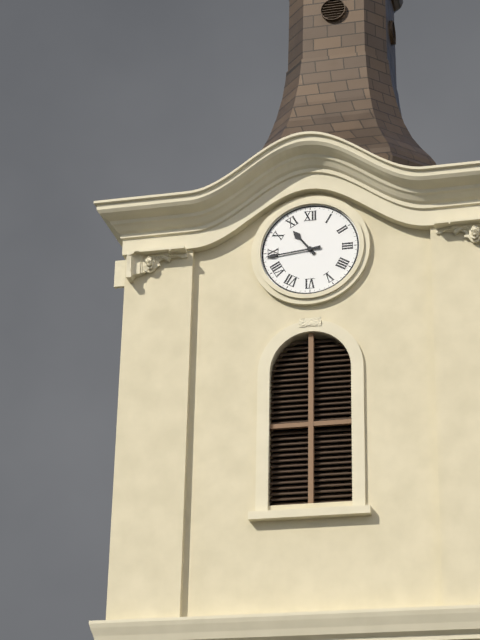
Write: {"hour": 10, "minute": 44}
